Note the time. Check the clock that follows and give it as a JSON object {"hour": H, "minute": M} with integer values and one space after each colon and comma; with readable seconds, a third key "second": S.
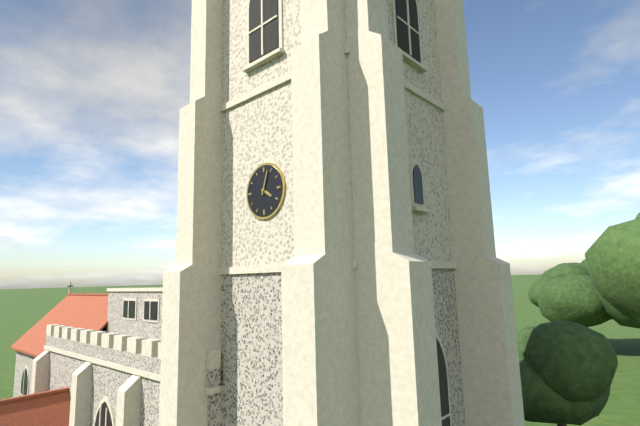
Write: {"hour": 4, "minute": 3}
